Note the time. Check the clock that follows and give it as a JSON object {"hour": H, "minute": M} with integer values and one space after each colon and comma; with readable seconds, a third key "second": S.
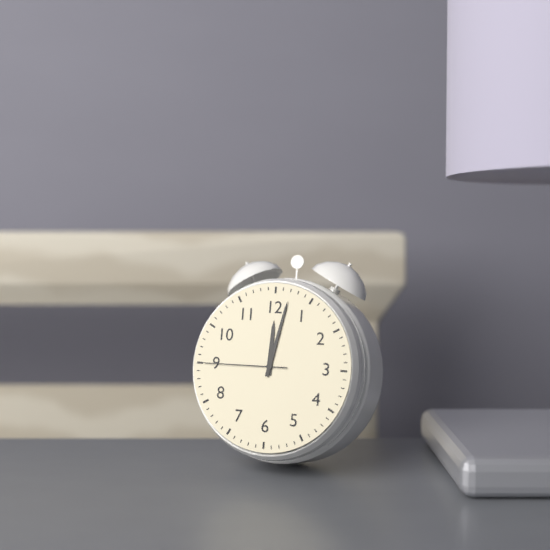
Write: {"hour": 12, "minute": 2, "second": 45}
